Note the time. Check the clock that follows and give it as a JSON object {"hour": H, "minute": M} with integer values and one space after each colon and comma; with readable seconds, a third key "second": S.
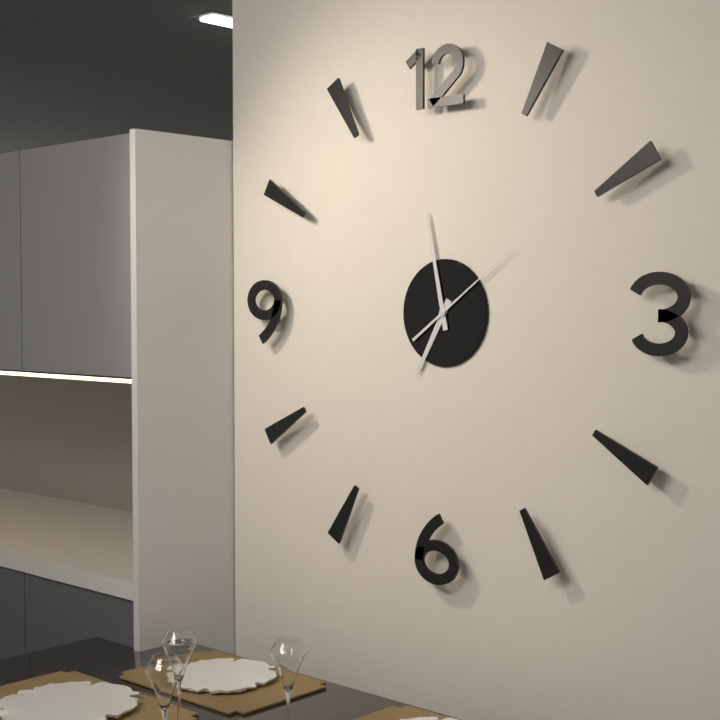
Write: {"hour": 6, "minute": 58, "second": 9}
